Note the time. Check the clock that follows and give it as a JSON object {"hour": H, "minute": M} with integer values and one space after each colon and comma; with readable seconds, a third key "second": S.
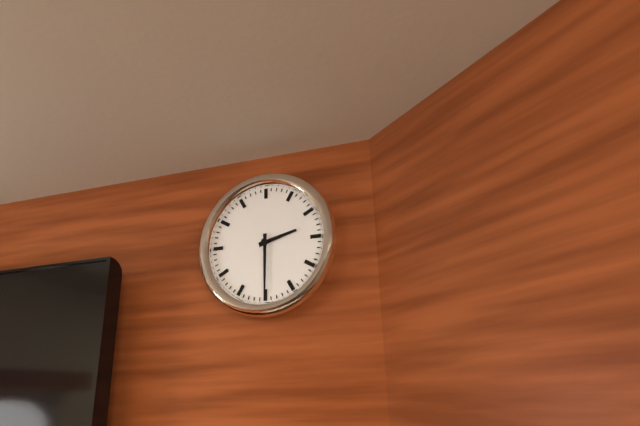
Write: {"hour": 2, "minute": 30}
